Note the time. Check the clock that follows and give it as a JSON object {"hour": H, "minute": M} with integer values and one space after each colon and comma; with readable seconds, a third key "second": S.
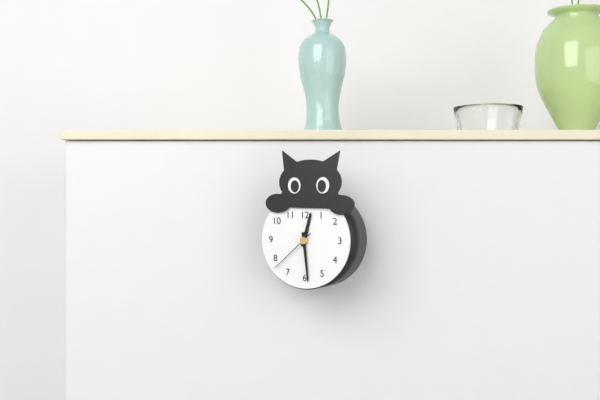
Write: {"hour": 12, "minute": 29, "second": 38}
